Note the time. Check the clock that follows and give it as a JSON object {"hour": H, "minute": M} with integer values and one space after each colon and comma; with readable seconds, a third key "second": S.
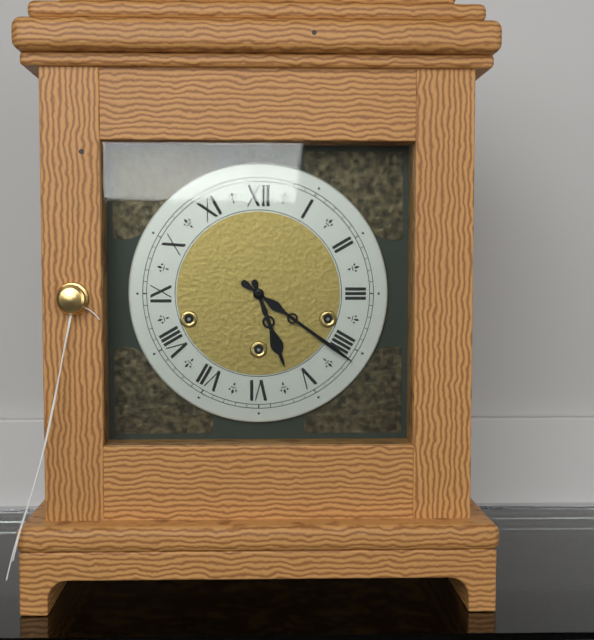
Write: {"hour": 5, "minute": 21}
